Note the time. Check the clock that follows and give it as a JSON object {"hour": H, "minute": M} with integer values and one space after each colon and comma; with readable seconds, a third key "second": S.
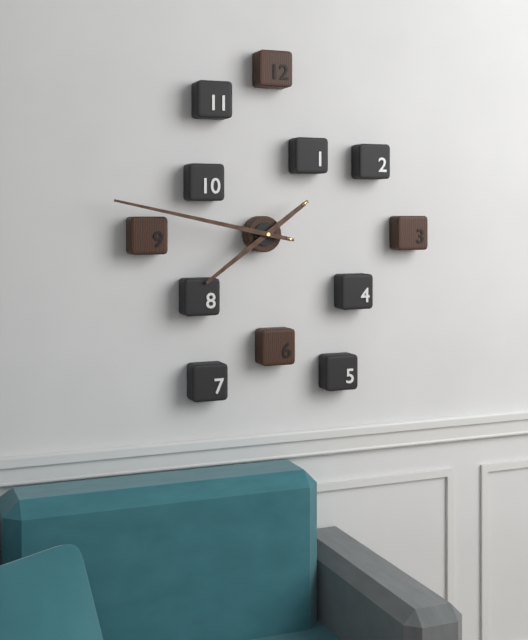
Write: {"hour": 7, "minute": 47}
